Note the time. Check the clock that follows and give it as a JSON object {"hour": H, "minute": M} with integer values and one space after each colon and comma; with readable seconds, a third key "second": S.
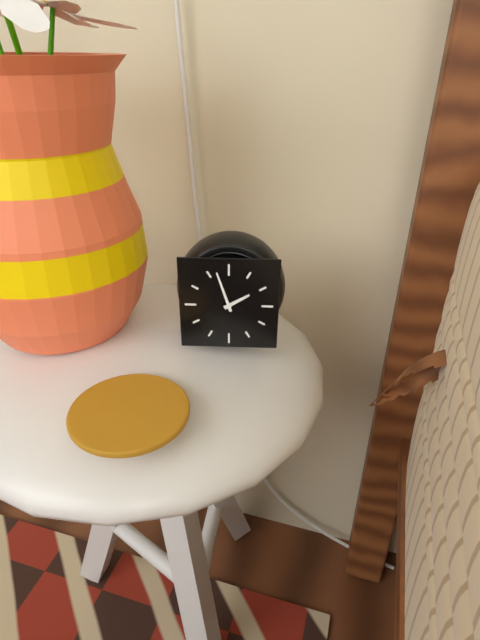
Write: {"hour": 1, "minute": 57}
